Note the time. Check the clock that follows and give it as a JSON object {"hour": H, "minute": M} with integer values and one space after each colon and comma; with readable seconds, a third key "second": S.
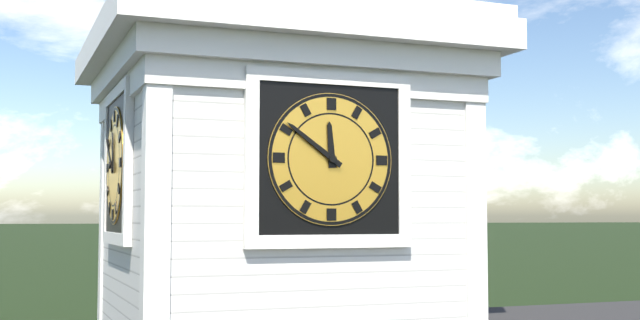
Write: {"hour": 11, "minute": 51}
